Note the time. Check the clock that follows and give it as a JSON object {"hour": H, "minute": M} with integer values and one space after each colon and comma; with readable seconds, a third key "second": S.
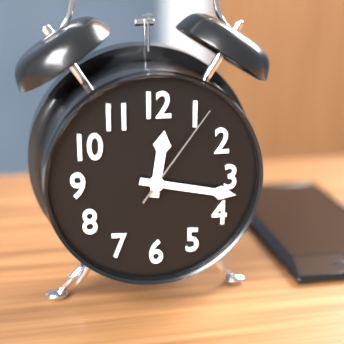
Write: {"hour": 12, "minute": 17, "second": 6}
